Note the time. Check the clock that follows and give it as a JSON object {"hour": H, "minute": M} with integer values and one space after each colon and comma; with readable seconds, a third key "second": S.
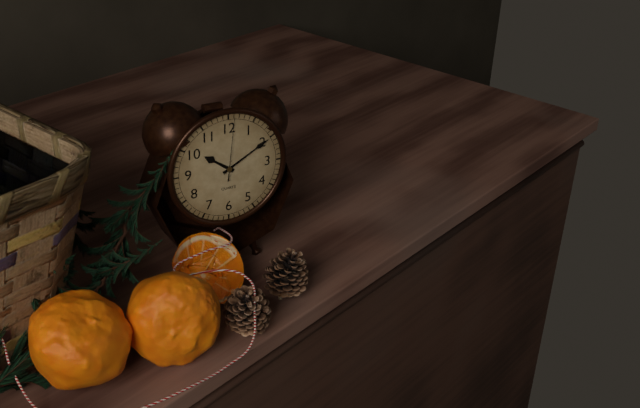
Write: {"hour": 10, "minute": 10, "second": 1}
